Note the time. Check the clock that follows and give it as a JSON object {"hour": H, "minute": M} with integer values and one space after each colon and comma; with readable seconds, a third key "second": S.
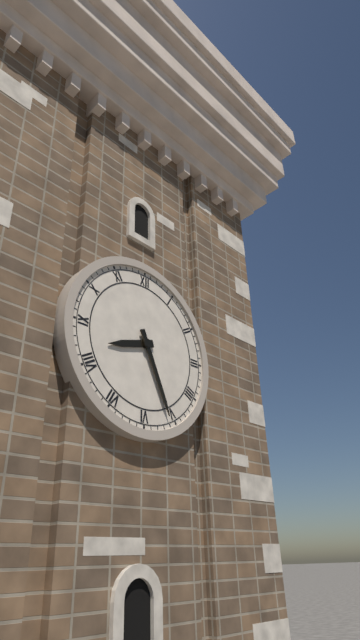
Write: {"hour": 8, "minute": 26}
